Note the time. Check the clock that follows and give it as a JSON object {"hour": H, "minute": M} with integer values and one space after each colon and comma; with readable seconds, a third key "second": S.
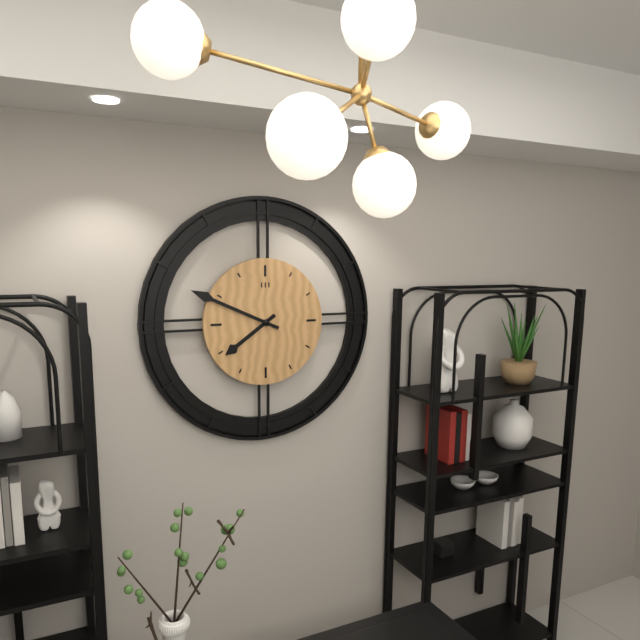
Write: {"hour": 7, "minute": 49}
